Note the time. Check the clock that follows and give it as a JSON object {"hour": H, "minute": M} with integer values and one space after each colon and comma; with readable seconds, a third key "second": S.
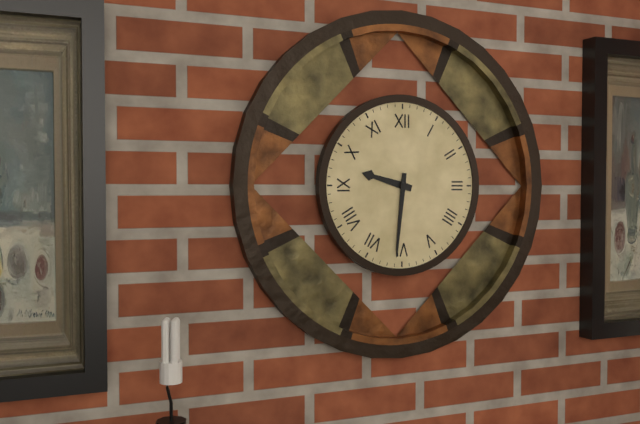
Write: {"hour": 9, "minute": 31}
